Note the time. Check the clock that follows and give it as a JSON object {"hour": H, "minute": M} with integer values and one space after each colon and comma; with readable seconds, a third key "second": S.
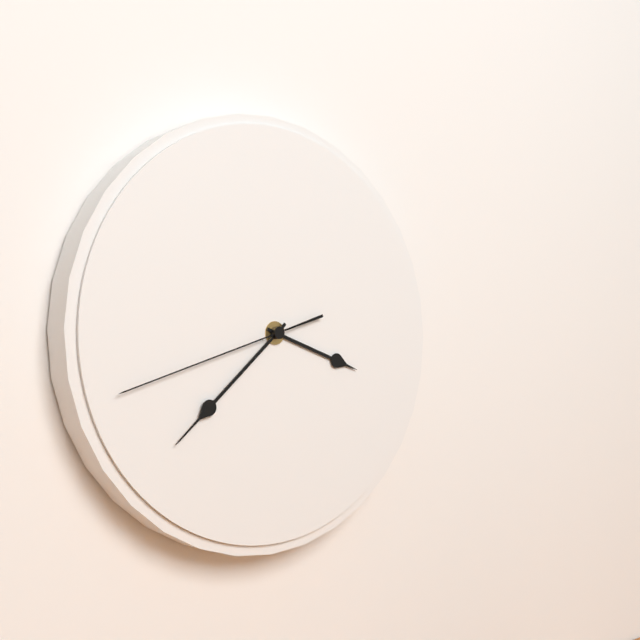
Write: {"hour": 3, "minute": 38, "second": 42}
